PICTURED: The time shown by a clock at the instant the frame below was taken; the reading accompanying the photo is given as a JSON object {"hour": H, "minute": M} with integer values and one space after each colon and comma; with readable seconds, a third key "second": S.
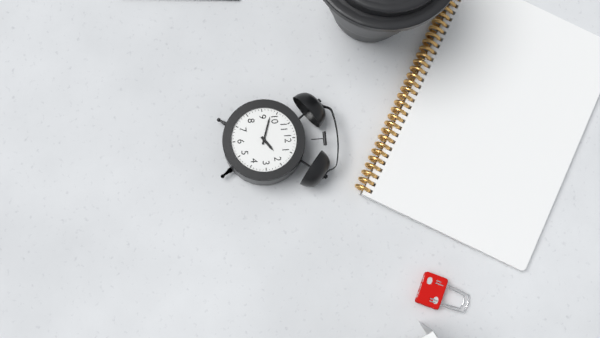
{"hour": 1, "minute": 48}
